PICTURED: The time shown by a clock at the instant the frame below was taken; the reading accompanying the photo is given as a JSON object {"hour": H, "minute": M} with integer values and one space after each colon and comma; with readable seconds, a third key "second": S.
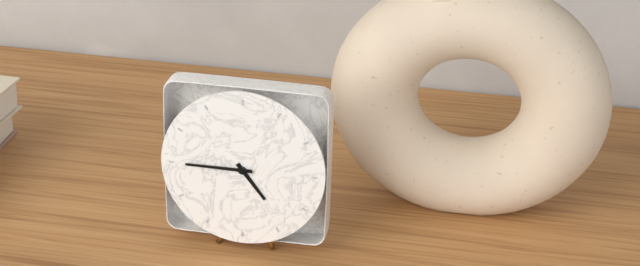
{"hour": 4, "minute": 45}
